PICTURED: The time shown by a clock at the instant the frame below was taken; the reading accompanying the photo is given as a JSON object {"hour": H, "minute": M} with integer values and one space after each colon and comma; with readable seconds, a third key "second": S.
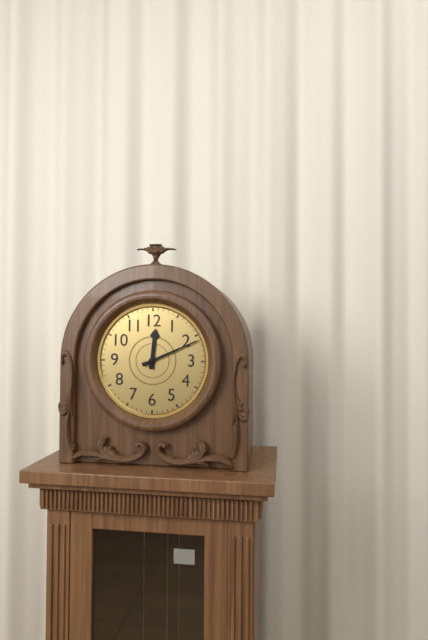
{"hour": 12, "minute": 11}
